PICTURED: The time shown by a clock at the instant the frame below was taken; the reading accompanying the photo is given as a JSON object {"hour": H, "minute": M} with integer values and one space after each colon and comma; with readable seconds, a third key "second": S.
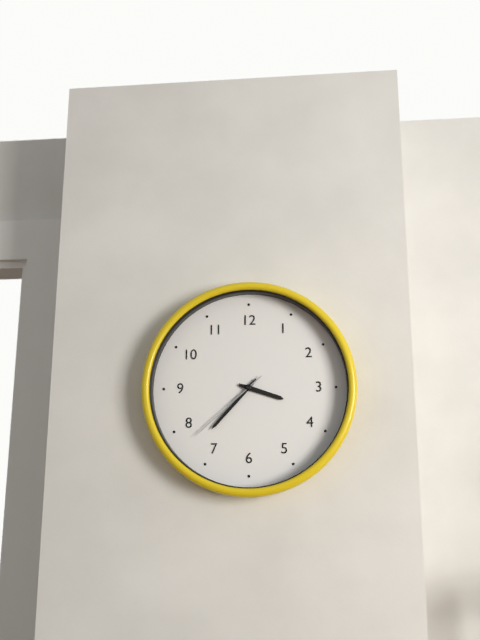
{"hour": 3, "minute": 37, "second": 38}
